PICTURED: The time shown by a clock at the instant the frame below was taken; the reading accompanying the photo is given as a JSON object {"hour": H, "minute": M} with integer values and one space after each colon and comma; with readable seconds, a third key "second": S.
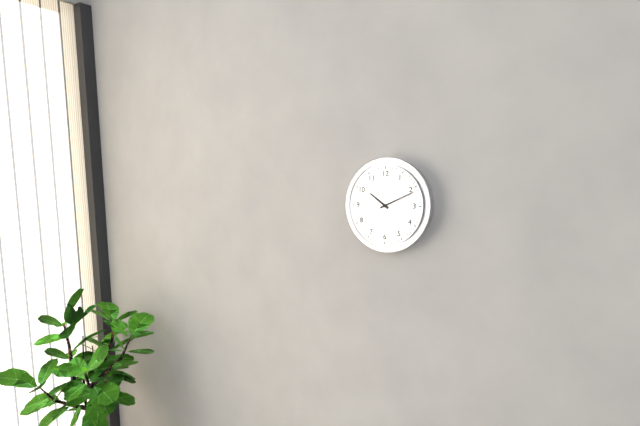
{"hour": 10, "minute": 11}
